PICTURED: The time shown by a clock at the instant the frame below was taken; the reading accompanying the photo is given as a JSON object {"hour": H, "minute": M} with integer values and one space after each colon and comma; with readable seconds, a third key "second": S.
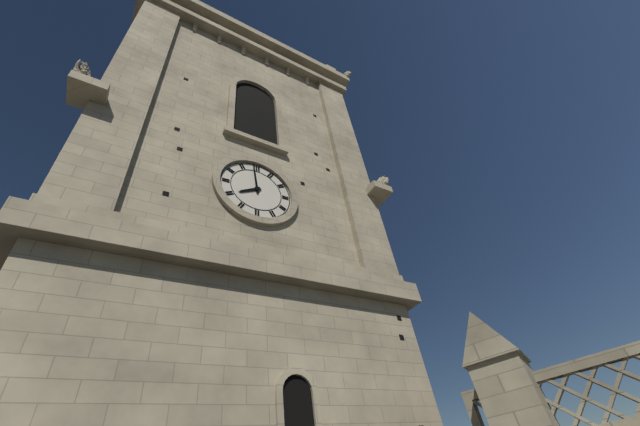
{"hour": 7, "minute": 59}
